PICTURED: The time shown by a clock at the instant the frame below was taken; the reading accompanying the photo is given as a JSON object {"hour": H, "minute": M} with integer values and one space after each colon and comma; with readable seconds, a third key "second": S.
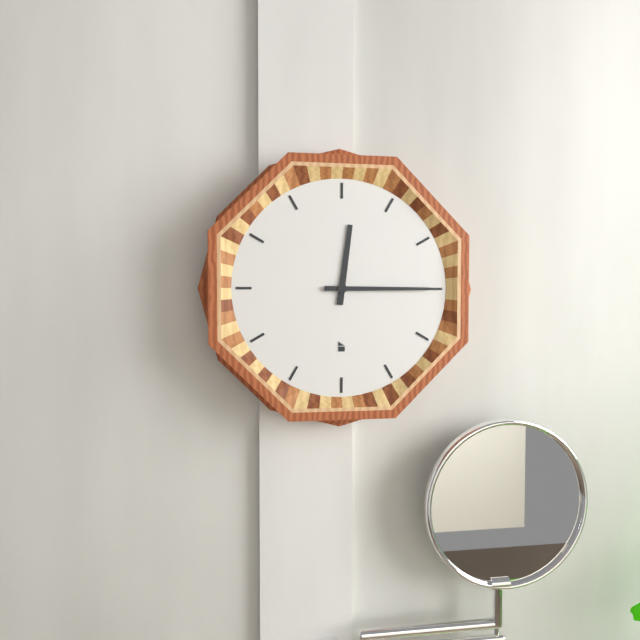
{"hour": 12, "minute": 15}
